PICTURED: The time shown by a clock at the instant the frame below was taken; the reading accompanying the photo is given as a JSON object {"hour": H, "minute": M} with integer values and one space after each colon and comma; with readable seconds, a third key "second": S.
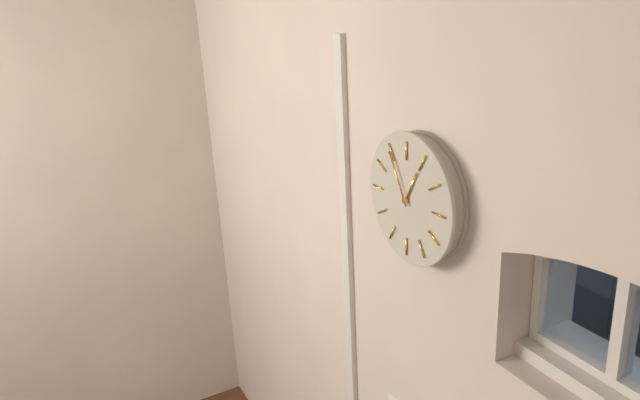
{"hour": 12, "minute": 55}
